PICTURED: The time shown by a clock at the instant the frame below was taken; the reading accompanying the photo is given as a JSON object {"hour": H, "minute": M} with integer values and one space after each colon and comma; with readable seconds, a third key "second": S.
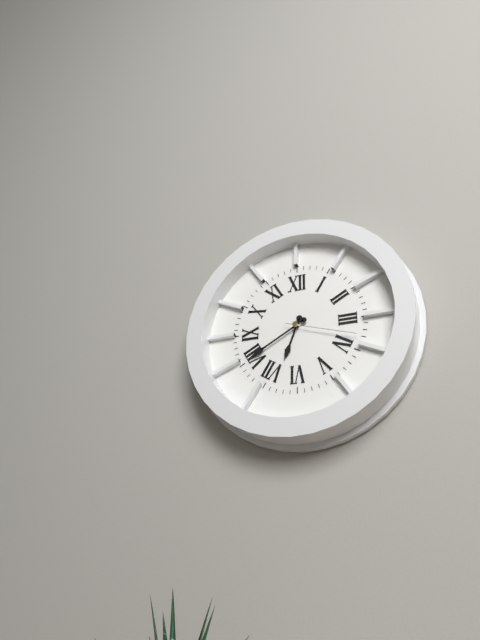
{"hour": 6, "minute": 40, "second": 18}
